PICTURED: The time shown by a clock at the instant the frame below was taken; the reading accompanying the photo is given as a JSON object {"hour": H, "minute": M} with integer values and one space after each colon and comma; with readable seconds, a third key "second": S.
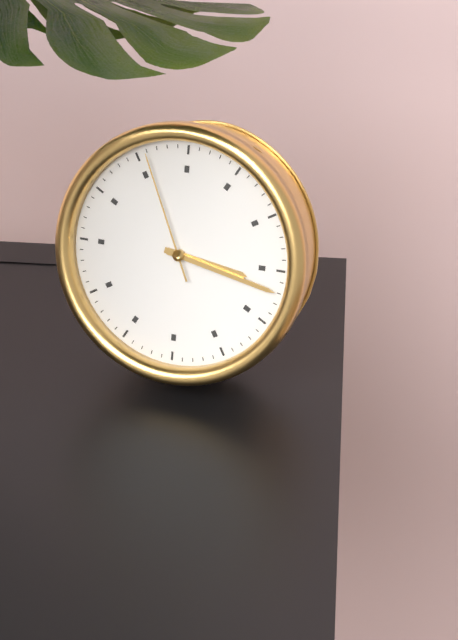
{"hour": 3, "minute": 17, "second": 56}
